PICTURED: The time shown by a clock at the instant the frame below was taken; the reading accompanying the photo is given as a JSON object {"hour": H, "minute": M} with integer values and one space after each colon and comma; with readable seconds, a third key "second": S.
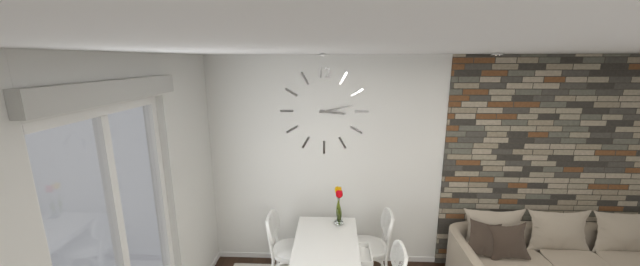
{"hour": 3, "minute": 13}
